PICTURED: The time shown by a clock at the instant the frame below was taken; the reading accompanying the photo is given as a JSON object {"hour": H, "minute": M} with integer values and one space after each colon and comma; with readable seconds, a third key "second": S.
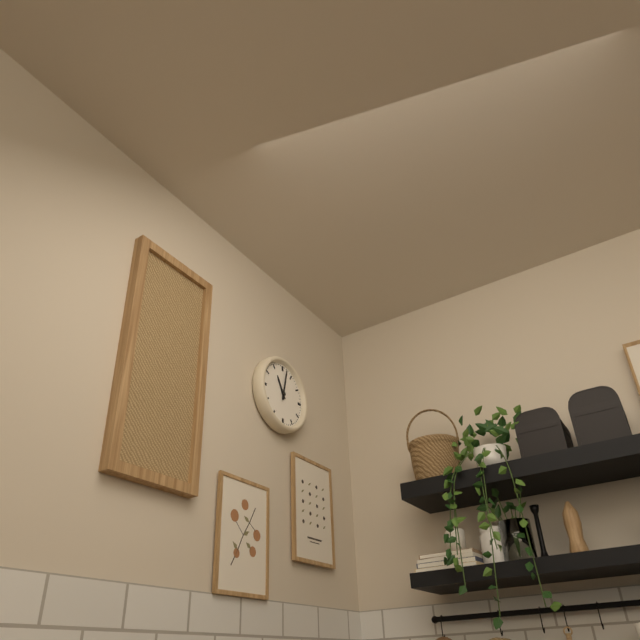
{"hour": 11, "minute": 2}
